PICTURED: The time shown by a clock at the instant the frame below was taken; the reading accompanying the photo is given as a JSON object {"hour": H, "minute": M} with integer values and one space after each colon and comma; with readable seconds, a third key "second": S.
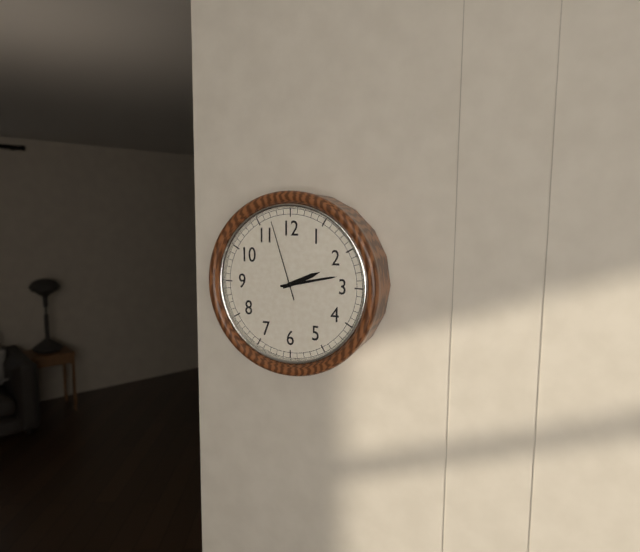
{"hour": 2, "minute": 13, "second": 57}
